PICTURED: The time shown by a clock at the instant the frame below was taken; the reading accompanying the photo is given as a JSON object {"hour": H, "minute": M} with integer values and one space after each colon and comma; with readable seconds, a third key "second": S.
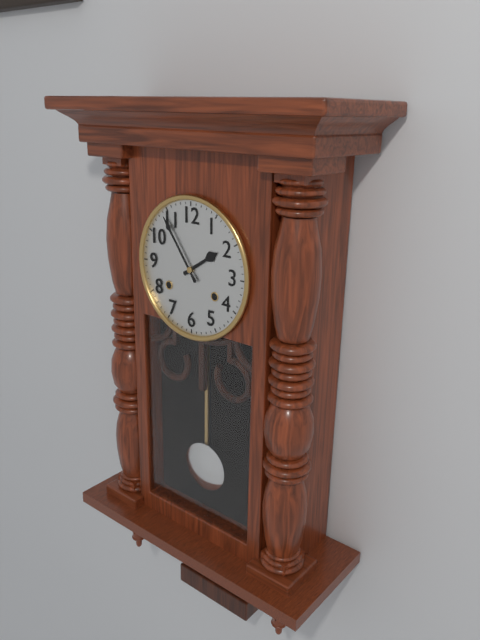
{"hour": 1, "minute": 54}
